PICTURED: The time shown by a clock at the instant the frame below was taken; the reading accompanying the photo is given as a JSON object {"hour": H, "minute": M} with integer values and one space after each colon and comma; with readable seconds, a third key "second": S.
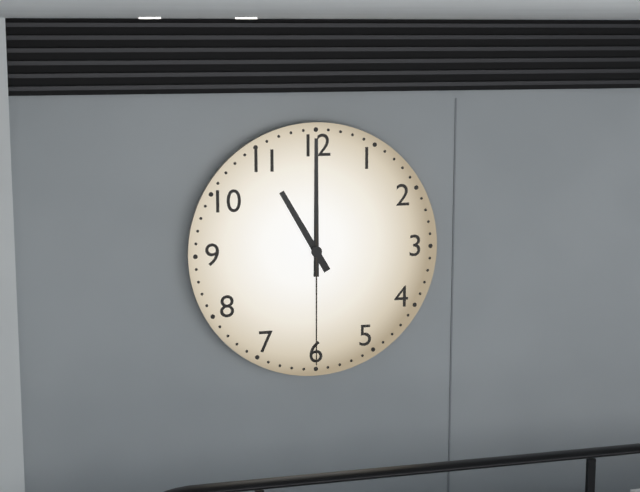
{"hour": 11, "minute": 0, "second": 30}
